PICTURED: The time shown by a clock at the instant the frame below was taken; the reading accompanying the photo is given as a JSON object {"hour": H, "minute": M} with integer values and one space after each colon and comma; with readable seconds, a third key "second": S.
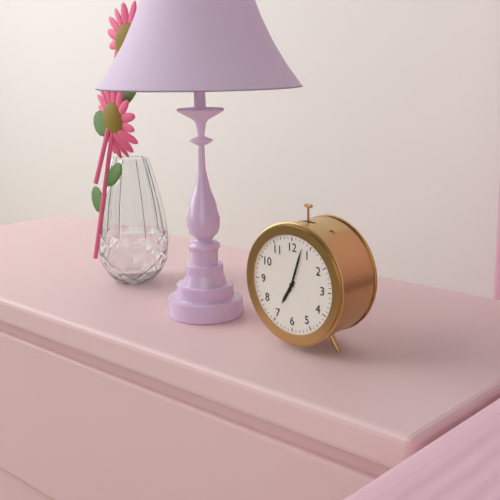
{"hour": 7, "minute": 3}
